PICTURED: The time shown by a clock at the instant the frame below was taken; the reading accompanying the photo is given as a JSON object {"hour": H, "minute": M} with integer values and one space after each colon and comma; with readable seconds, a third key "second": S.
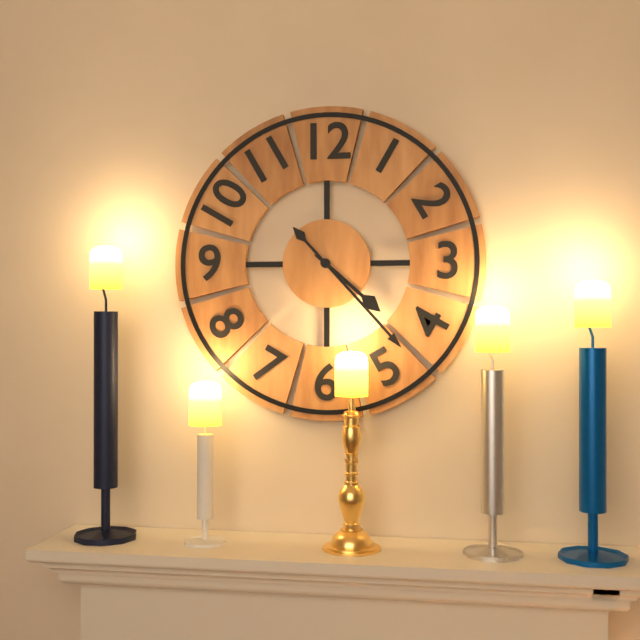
{"hour": 4, "minute": 23}
